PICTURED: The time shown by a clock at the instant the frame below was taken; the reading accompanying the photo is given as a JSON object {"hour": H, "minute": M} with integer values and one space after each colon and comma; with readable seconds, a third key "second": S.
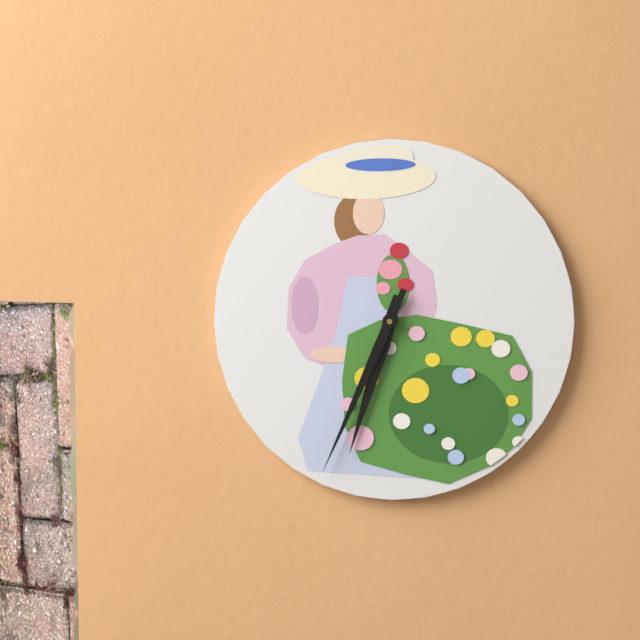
{"hour": 6, "minute": 34}
